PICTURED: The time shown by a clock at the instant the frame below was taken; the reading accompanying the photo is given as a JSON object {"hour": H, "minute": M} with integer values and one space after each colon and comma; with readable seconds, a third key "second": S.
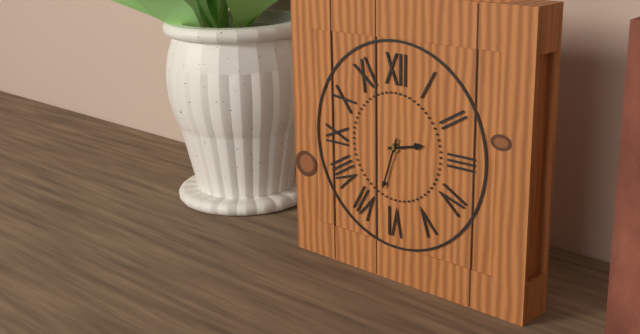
{"hour": 2, "minute": 33}
